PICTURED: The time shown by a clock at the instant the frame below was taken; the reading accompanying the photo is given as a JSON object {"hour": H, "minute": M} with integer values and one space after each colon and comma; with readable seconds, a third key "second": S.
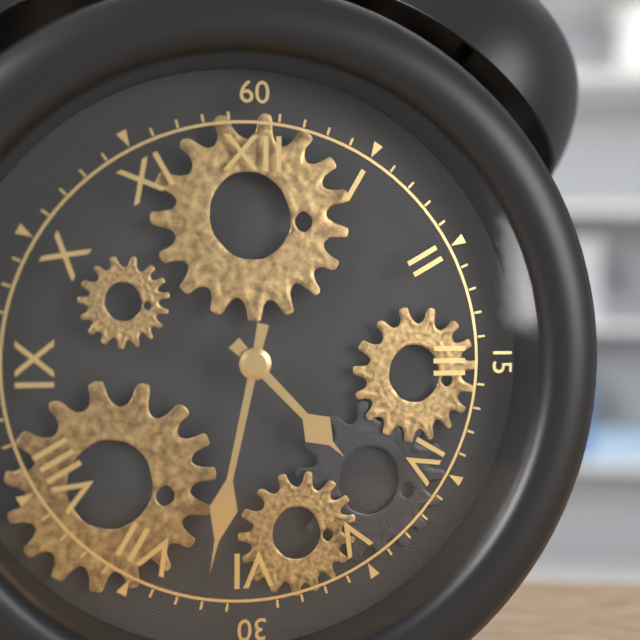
{"hour": 4, "minute": 32}
